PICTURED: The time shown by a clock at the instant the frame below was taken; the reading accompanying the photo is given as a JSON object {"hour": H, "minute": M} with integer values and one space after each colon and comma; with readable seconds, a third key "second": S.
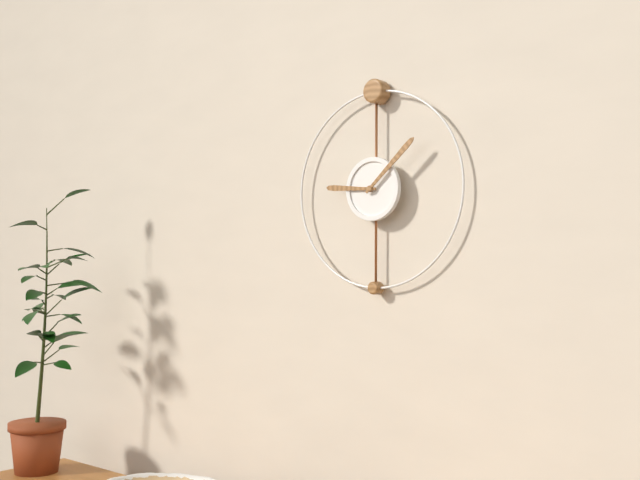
{"hour": 9, "minute": 8}
